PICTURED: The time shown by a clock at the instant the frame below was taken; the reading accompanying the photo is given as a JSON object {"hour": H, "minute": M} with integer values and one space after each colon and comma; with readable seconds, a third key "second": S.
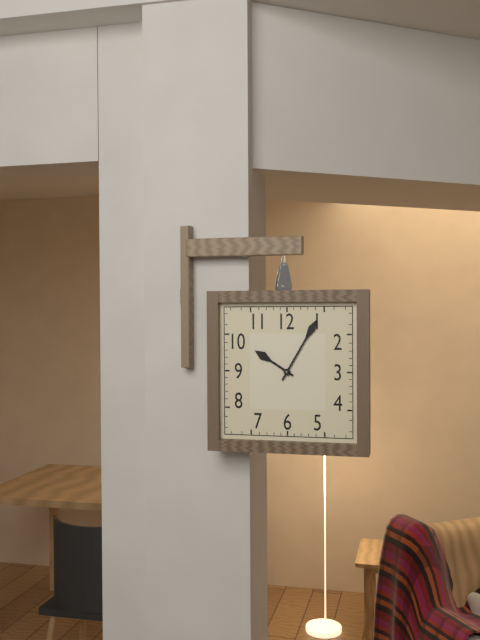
{"hour": 10, "minute": 5}
